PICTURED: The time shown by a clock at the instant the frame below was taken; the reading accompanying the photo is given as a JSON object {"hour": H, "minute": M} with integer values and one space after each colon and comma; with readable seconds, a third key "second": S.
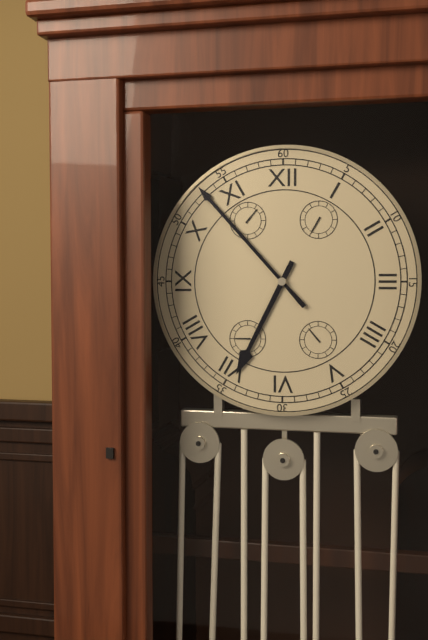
{"hour": 6, "minute": 53}
